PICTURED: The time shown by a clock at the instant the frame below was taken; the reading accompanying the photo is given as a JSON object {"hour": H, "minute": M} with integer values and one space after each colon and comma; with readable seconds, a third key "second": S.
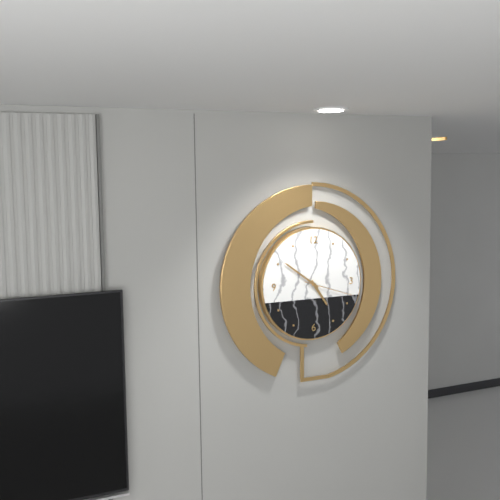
{"hour": 4, "minute": 51, "second": 18}
